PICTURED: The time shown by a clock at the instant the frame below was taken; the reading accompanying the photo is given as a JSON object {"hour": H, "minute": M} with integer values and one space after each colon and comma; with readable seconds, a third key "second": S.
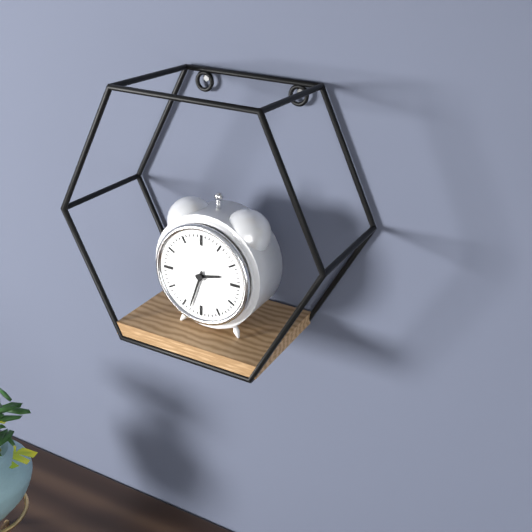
{"hour": 2, "minute": 33}
